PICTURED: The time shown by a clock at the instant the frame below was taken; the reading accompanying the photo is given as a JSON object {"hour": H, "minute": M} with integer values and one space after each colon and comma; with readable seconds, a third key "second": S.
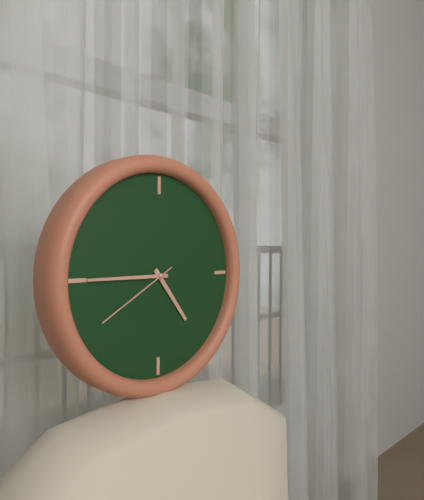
{"hour": 4, "minute": 45, "second": 40}
